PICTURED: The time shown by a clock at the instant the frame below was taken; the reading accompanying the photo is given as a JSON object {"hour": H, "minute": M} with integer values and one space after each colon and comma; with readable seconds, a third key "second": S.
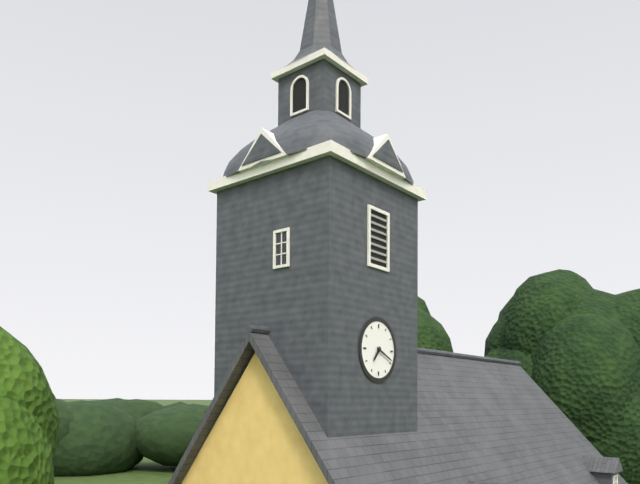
{"hour": 7, "minute": 19}
